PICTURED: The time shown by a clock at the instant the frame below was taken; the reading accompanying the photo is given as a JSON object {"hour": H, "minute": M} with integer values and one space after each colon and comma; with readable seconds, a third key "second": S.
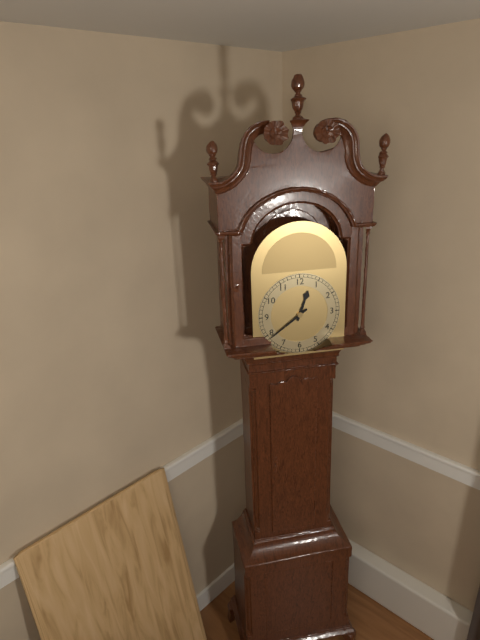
{"hour": 12, "minute": 39}
